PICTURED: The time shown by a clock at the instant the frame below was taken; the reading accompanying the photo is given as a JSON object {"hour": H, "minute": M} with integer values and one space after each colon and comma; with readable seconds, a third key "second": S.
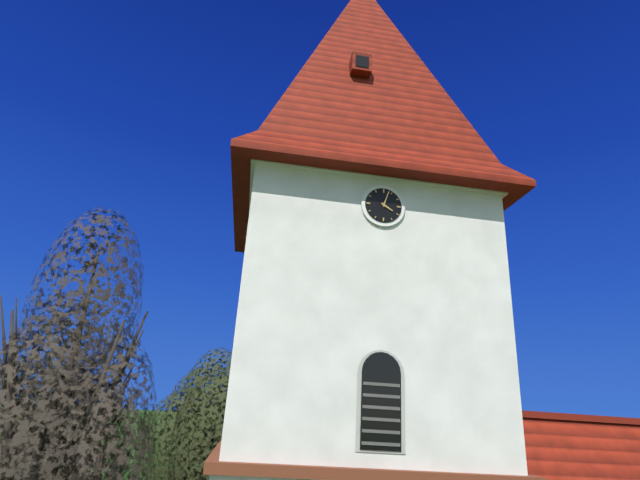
{"hour": 4, "minute": 3}
